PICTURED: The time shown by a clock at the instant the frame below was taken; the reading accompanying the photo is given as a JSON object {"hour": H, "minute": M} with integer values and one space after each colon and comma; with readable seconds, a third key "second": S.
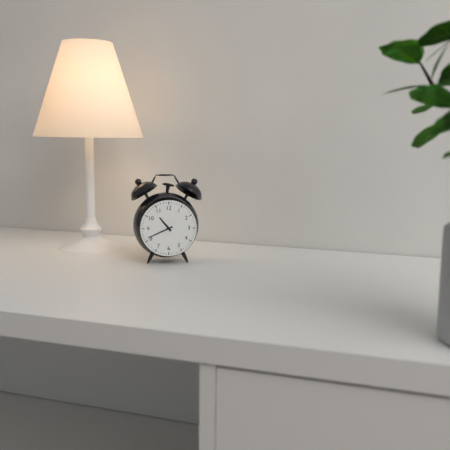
{"hour": 10, "minute": 41}
